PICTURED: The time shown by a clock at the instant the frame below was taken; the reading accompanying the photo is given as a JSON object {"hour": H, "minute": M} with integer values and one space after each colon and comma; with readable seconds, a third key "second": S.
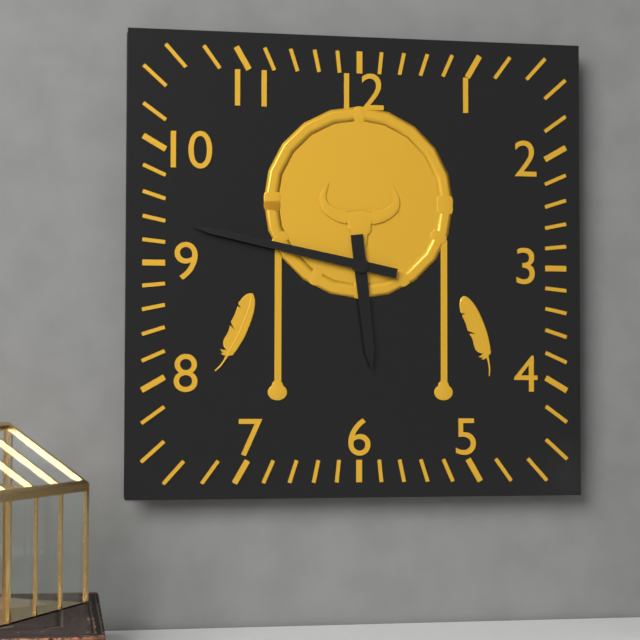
{"hour": 5, "minute": 47}
